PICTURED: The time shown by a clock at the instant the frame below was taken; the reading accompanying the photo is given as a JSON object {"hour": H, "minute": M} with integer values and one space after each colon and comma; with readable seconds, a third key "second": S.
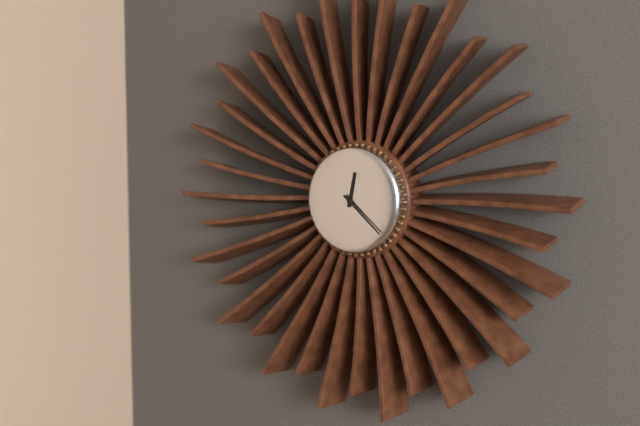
{"hour": 12, "minute": 22}
